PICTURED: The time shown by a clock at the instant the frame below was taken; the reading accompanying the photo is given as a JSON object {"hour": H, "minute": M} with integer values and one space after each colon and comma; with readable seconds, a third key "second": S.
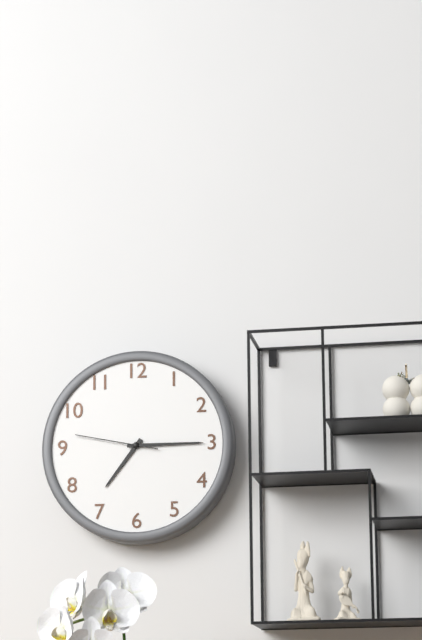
{"hour": 7, "minute": 15, "second": 47}
